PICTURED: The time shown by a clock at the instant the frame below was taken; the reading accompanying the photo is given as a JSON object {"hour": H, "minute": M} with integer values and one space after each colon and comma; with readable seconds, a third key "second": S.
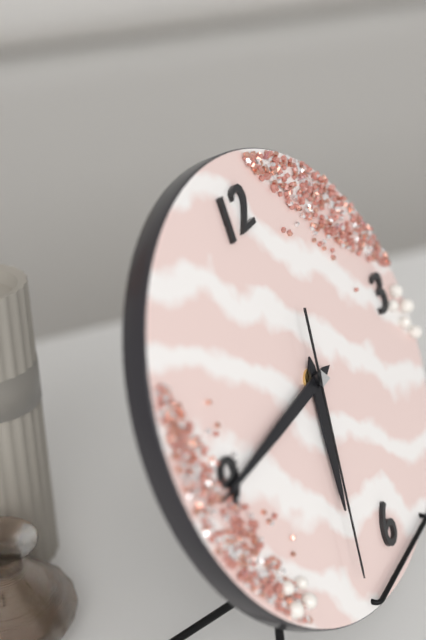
{"hour": 6, "minute": 45, "second": 34}
